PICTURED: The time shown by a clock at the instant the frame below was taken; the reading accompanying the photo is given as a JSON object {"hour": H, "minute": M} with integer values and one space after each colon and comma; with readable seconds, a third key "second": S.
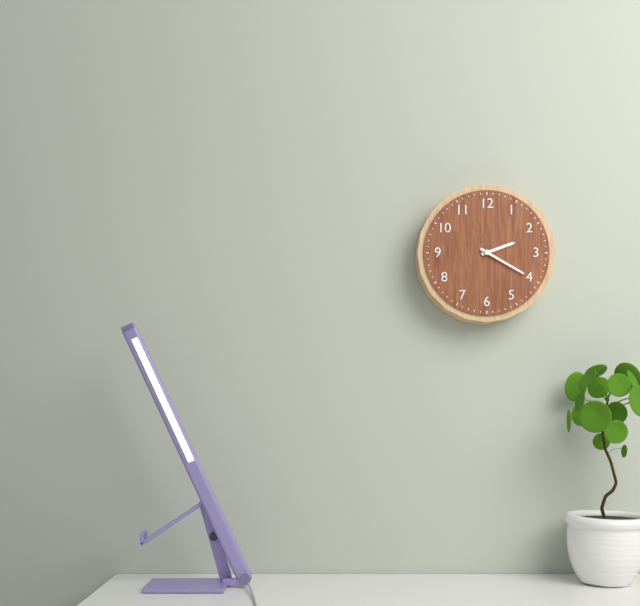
{"hour": 2, "minute": 20}
